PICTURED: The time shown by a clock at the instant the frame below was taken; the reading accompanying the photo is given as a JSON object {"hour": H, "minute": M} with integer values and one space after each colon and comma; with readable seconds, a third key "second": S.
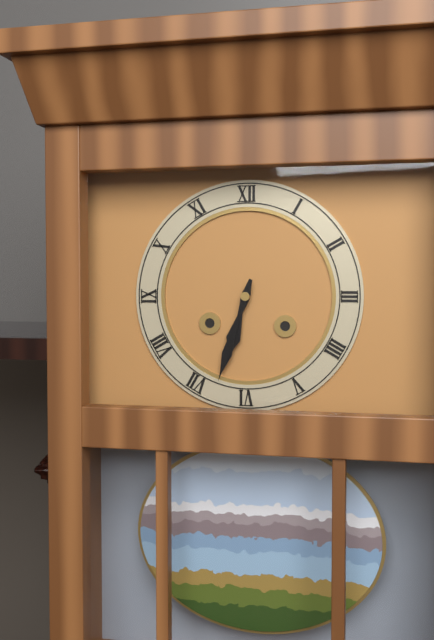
{"hour": 6, "minute": 33}
